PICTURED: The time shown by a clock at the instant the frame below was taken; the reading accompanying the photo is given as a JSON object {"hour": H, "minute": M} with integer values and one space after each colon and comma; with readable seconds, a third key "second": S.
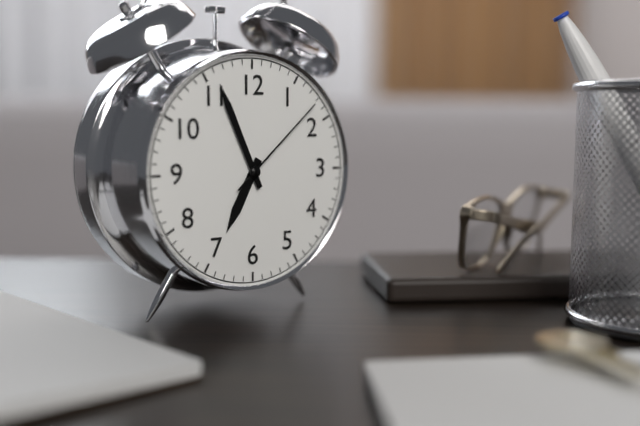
{"hour": 6, "minute": 56, "second": 8}
